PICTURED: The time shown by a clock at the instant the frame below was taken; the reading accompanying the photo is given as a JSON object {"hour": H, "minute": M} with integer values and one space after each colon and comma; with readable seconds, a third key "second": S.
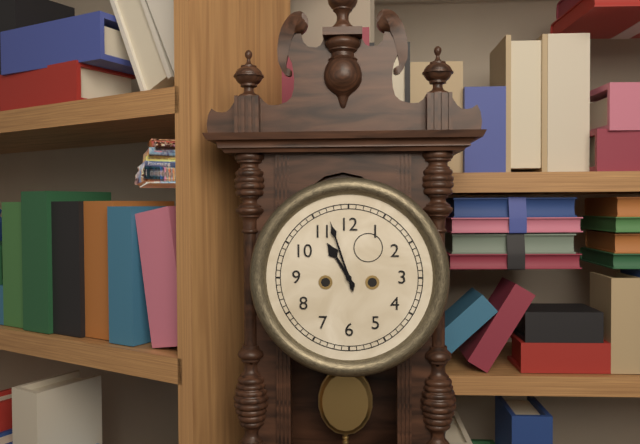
{"hour": 10, "minute": 57}
